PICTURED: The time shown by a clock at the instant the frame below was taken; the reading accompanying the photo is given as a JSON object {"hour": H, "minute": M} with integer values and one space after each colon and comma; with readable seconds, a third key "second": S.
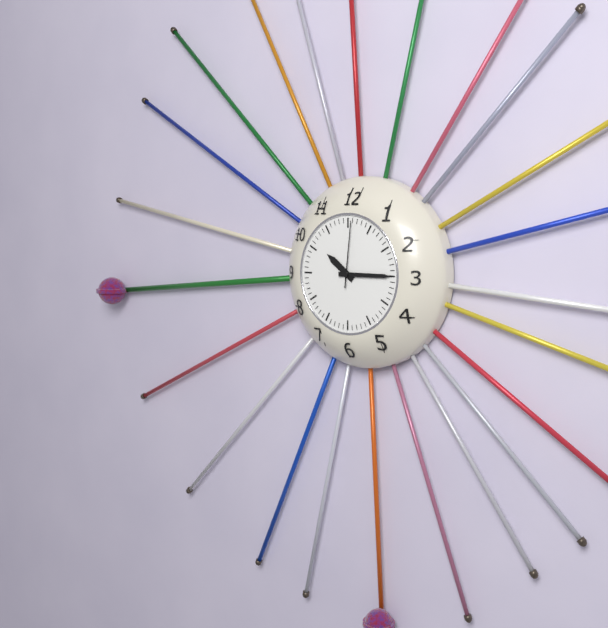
{"hour": 10, "minute": 15, "second": 1}
